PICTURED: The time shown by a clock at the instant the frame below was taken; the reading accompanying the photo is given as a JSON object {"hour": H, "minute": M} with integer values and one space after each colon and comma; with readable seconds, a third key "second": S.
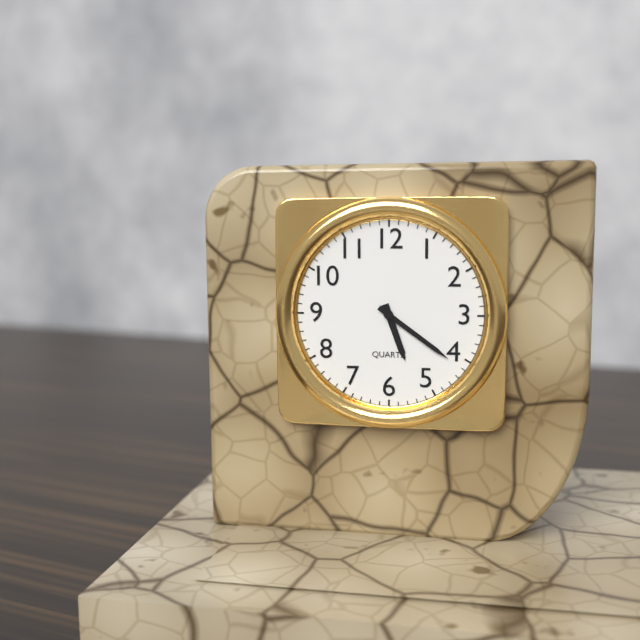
{"hour": 5, "minute": 21}
